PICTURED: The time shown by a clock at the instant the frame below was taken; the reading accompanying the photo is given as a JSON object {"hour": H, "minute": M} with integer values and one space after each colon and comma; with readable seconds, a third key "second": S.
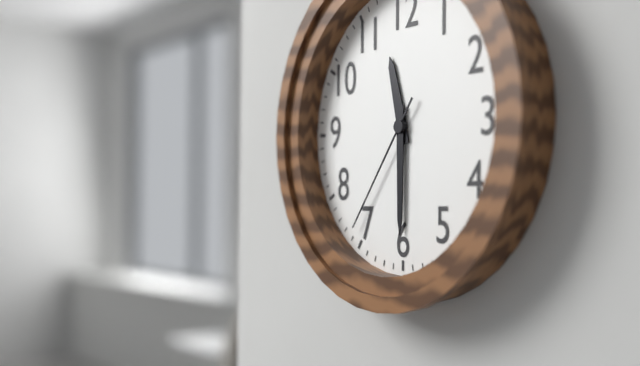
{"hour": 11, "minute": 30, "second": 36}
